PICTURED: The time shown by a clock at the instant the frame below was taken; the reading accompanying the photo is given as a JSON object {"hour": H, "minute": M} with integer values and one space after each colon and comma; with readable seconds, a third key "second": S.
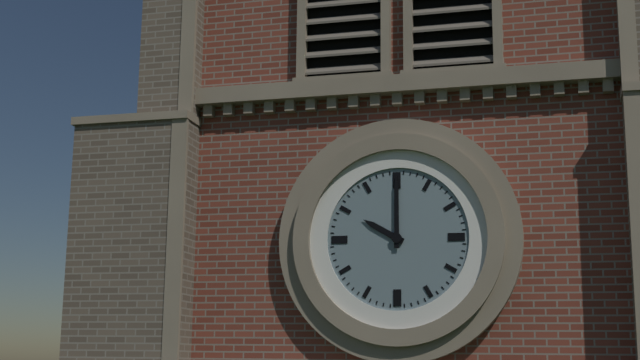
{"hour": 10, "minute": 0}
